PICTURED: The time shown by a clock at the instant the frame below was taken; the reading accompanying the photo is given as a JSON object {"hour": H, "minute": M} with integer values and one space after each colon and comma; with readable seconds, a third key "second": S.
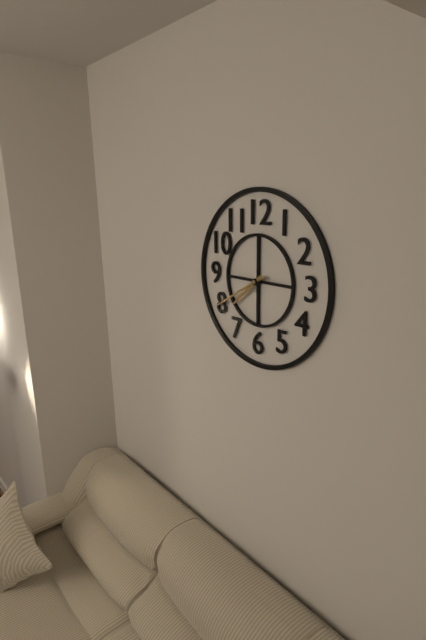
{"hour": 7, "minute": 40}
